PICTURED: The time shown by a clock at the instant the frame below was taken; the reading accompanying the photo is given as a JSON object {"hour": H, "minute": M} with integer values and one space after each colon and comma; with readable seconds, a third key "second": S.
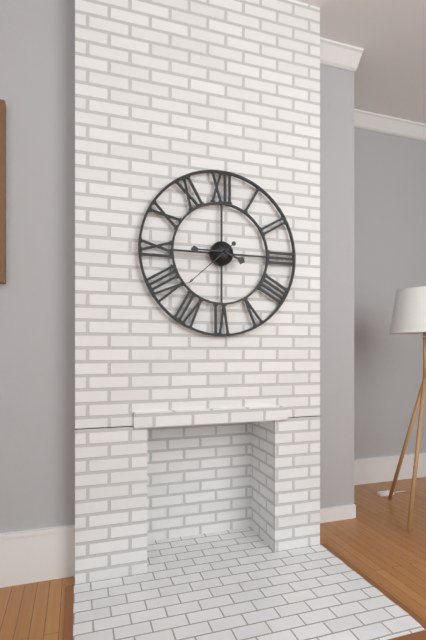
{"hour": 3, "minute": 45, "second": 38}
